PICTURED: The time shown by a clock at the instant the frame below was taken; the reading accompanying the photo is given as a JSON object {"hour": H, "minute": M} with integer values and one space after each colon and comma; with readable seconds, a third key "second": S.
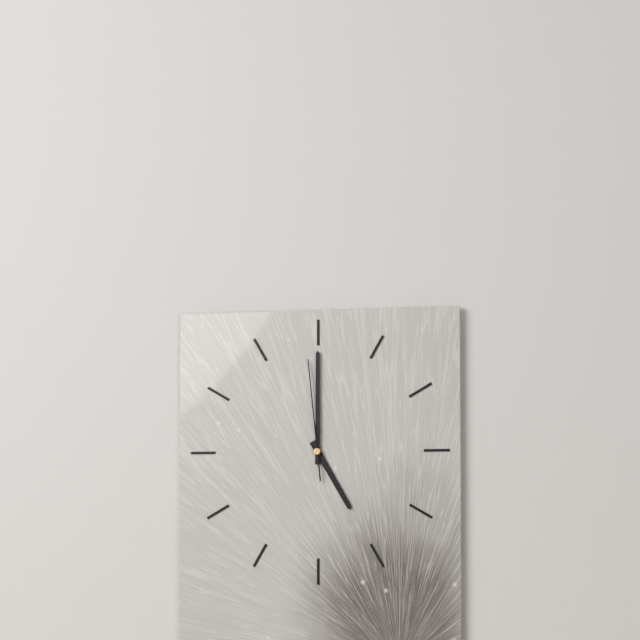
{"hour": 5, "minute": 0, "second": 59}
